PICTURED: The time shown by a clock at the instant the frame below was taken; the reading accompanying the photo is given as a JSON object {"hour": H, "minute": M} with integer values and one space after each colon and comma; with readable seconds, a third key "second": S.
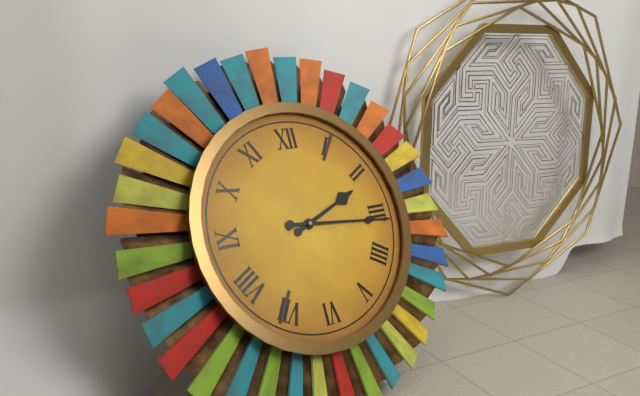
{"hour": 2, "minute": 16}
